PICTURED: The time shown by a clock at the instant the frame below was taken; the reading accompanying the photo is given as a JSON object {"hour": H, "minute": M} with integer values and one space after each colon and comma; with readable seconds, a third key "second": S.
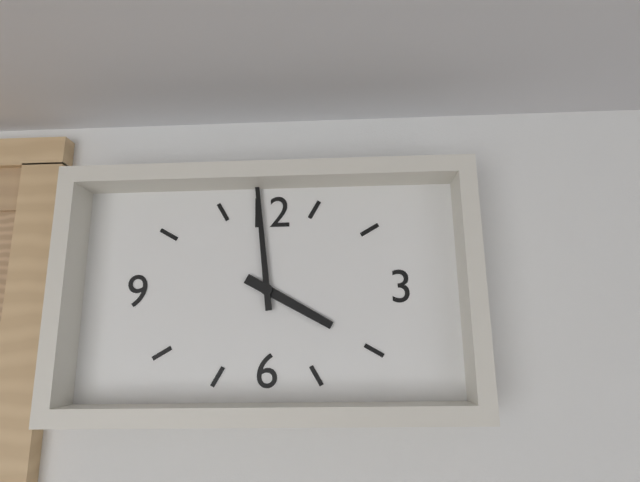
{"hour": 3, "minute": 59}
